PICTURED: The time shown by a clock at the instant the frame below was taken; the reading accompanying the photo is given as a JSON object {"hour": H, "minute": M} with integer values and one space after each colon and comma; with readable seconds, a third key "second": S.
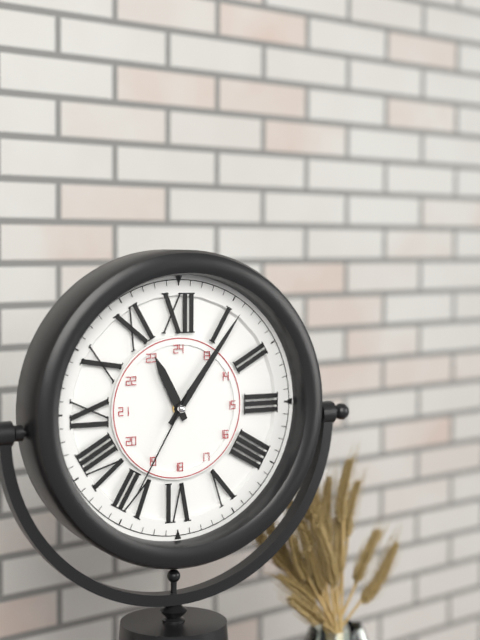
{"hour": 11, "minute": 6, "second": 35}
